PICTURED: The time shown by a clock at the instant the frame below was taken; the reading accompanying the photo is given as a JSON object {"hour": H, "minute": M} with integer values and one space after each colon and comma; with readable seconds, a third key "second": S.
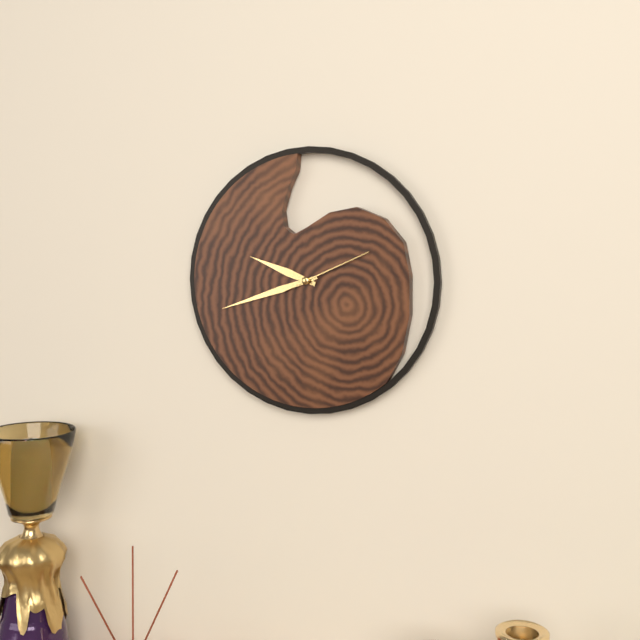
{"hour": 9, "minute": 42, "second": 11}
